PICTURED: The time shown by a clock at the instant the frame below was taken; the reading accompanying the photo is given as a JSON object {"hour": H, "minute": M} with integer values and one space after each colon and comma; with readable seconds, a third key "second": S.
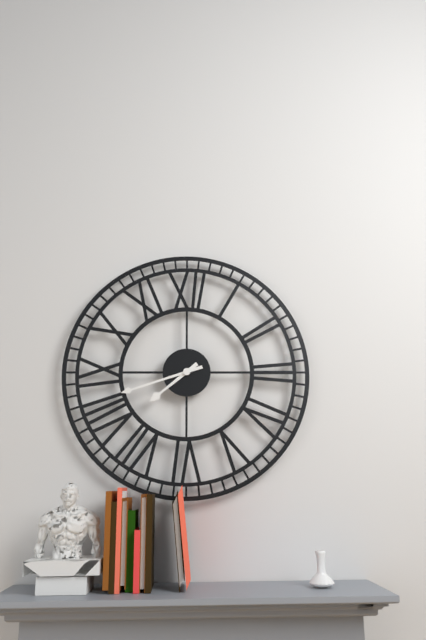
{"hour": 7, "minute": 42}
